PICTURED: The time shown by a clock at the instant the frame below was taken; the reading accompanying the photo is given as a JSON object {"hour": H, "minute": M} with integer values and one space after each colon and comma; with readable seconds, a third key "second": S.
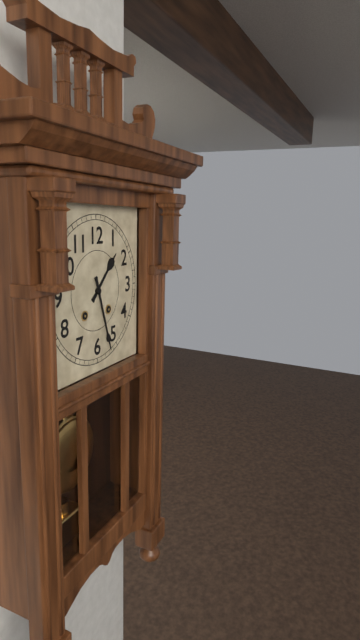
{"hour": 1, "minute": 27}
